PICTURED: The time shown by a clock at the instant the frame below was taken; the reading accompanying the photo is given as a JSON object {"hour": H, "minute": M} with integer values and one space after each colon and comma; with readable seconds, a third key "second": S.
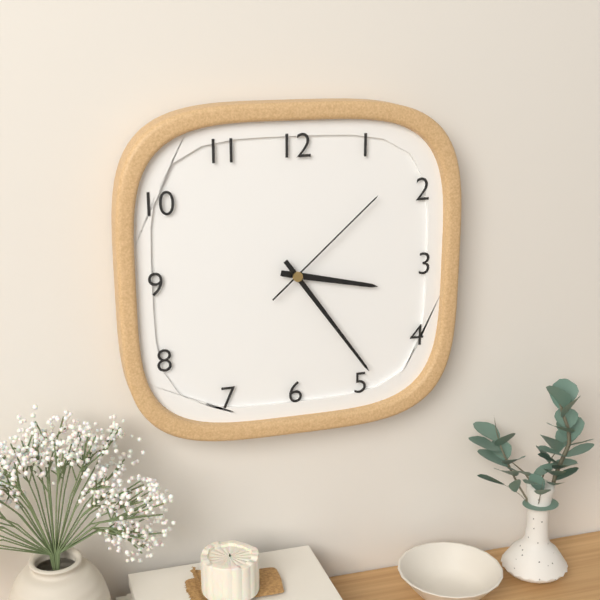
{"hour": 3, "minute": 24, "second": 8}
